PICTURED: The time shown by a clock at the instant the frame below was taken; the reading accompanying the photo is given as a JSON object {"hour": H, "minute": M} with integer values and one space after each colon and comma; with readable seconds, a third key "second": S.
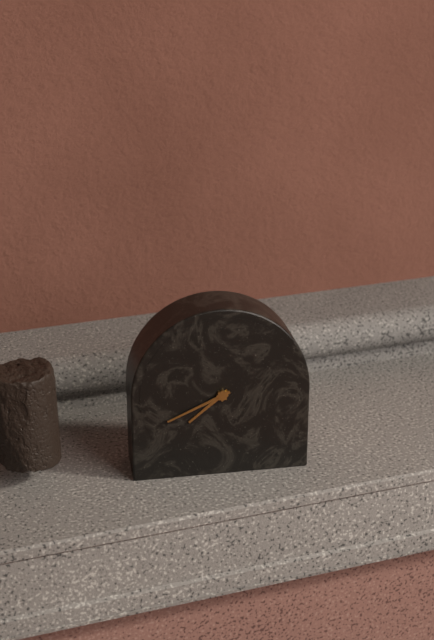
{"hour": 7, "minute": 41}
